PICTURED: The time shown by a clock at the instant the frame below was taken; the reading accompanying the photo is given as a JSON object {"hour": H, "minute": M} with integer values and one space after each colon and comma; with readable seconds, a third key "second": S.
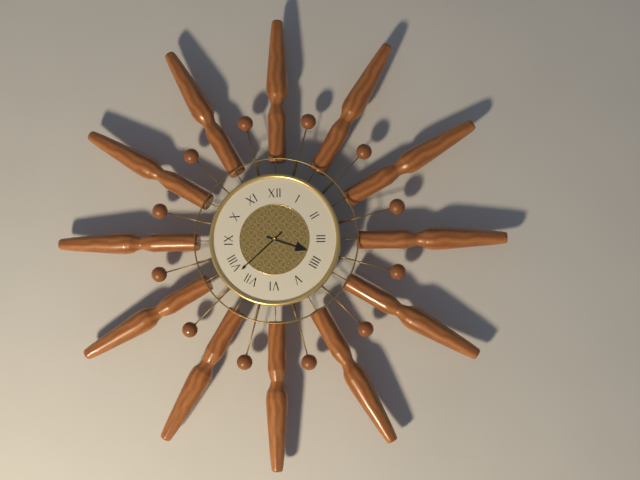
{"hour": 3, "minute": 38}
